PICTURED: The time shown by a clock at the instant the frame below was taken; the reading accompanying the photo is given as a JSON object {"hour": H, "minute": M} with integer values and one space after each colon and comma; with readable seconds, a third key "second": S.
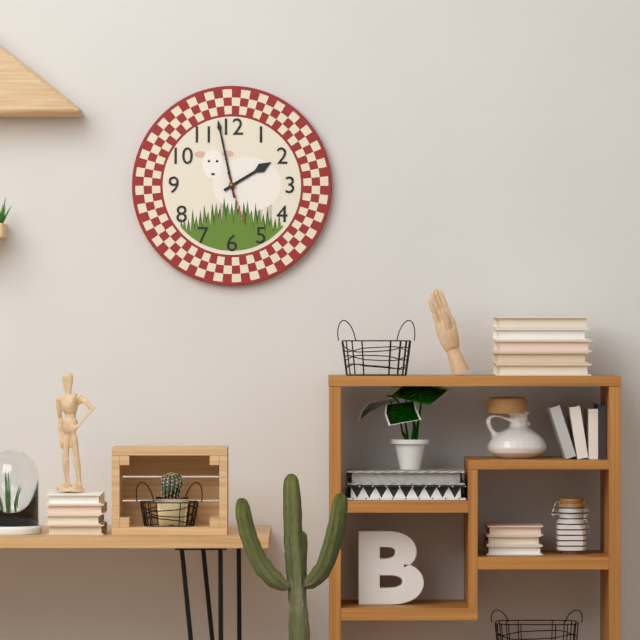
{"hour": 1, "minute": 58}
